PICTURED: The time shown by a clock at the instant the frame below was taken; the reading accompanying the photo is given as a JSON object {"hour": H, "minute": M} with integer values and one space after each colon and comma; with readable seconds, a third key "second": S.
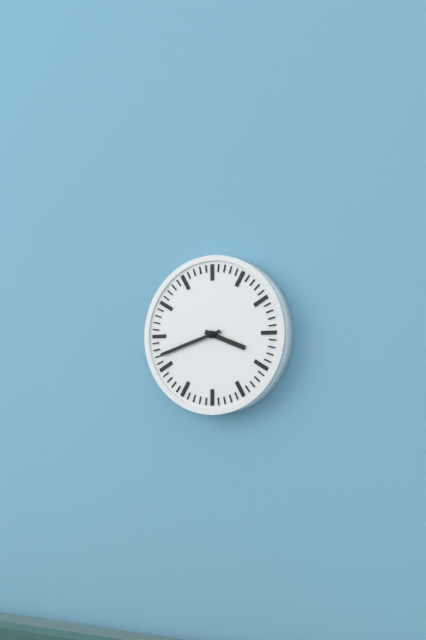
{"hour": 3, "minute": 42}
